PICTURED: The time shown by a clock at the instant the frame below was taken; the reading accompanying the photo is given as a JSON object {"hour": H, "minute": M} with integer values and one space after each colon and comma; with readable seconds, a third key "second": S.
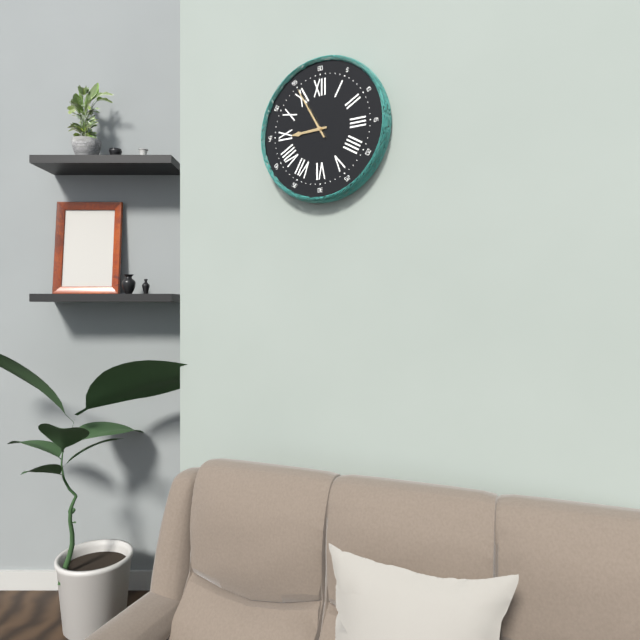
{"hour": 8, "minute": 55}
